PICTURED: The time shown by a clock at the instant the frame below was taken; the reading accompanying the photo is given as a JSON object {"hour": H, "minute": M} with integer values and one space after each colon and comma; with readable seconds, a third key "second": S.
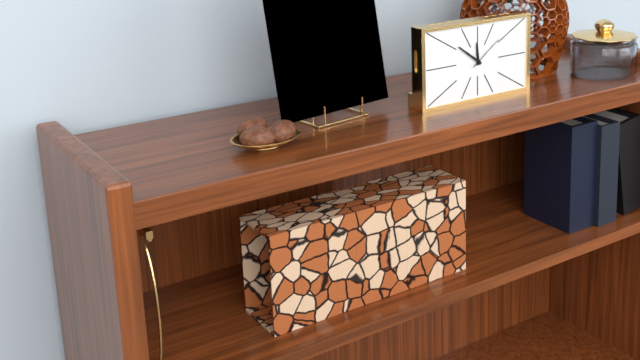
{"hour": 11, "minute": 51}
